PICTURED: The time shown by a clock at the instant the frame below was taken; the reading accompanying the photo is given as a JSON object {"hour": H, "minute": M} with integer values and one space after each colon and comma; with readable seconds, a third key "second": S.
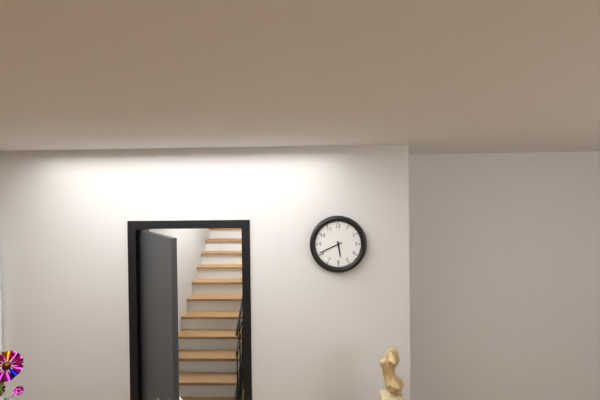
{"hour": 5, "minute": 41}
